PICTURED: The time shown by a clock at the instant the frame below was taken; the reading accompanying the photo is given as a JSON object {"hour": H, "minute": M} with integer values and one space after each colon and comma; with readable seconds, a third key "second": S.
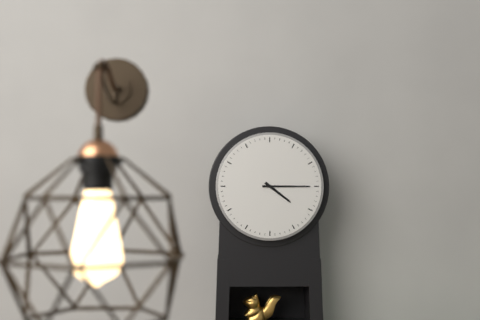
{"hour": 4, "minute": 15}
